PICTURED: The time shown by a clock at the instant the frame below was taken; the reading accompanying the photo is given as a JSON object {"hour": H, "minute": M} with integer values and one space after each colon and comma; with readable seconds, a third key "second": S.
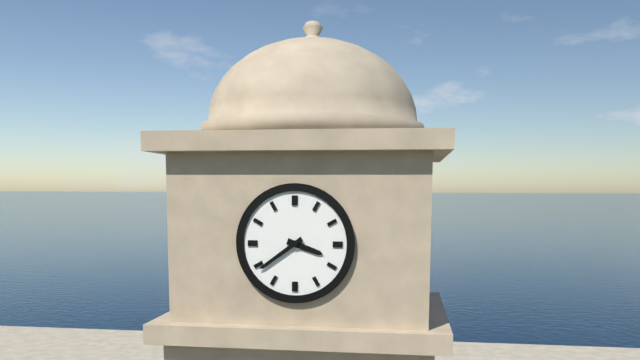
{"hour": 3, "minute": 39}
